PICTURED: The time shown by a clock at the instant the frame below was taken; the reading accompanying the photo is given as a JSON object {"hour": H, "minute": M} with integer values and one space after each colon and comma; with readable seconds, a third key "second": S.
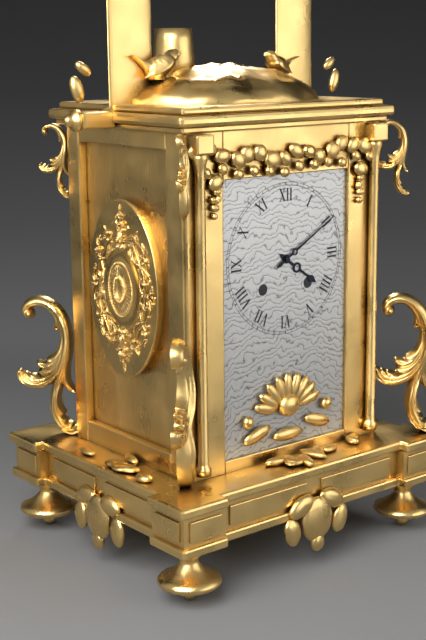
{"hour": 4, "minute": 10}
